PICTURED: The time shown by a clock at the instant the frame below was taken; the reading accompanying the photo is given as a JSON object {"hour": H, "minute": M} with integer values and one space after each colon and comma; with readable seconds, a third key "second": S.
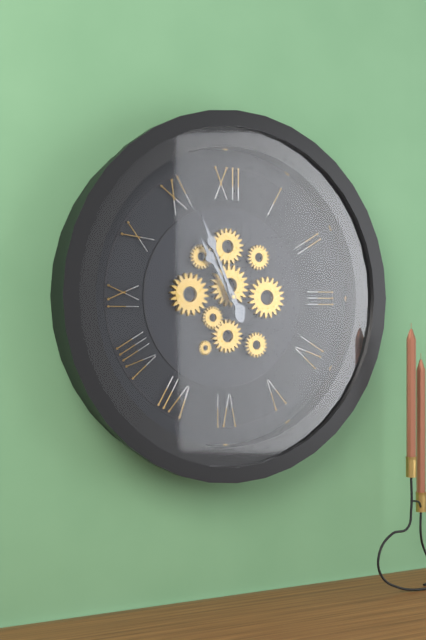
{"hour": 10, "minute": 56}
